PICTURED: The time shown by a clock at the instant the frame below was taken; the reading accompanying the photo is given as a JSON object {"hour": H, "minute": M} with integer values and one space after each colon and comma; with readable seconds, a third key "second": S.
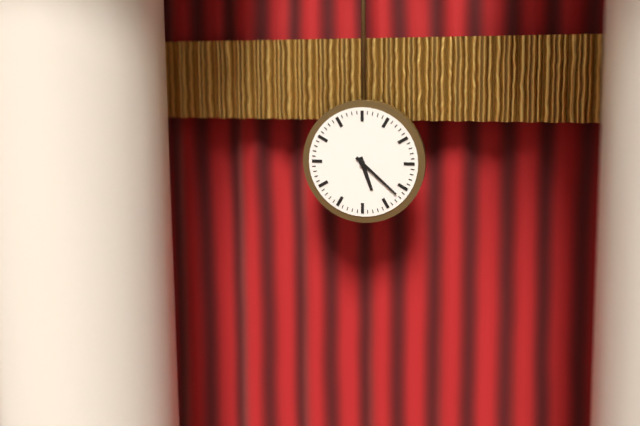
{"hour": 5, "minute": 22}
